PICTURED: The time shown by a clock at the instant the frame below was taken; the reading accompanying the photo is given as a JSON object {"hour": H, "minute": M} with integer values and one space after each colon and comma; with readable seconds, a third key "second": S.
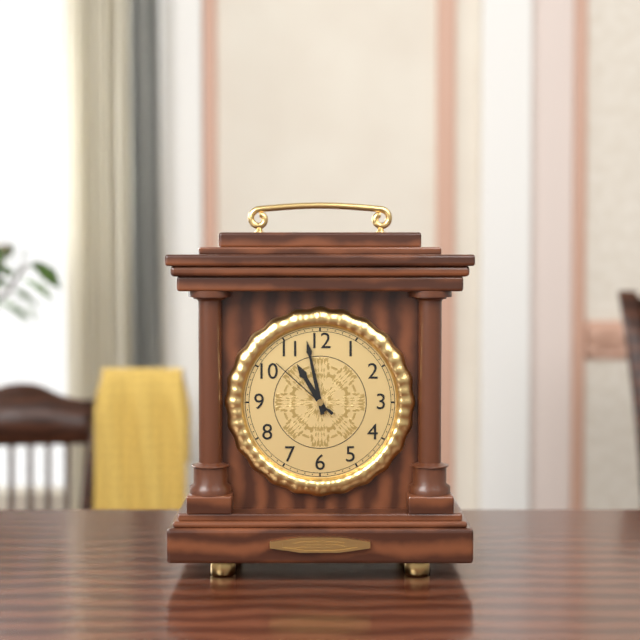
{"hour": 10, "minute": 58, "second": 52}
